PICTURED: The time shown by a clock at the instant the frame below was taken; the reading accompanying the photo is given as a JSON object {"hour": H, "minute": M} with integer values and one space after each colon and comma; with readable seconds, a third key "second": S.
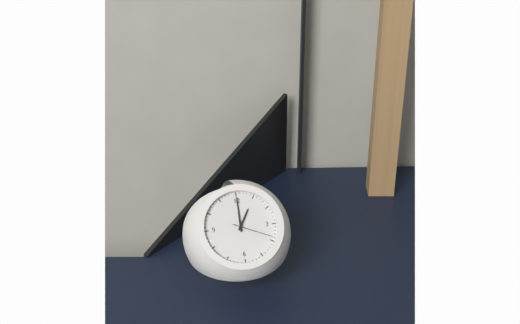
{"hour": 1, "minute": 0}
